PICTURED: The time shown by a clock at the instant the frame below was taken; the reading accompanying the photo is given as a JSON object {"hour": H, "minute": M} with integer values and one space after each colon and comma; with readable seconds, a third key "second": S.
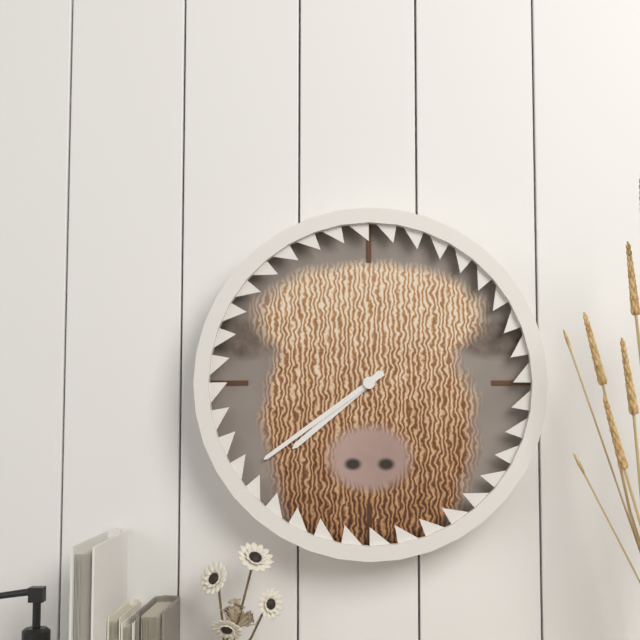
{"hour": 7, "minute": 39}
